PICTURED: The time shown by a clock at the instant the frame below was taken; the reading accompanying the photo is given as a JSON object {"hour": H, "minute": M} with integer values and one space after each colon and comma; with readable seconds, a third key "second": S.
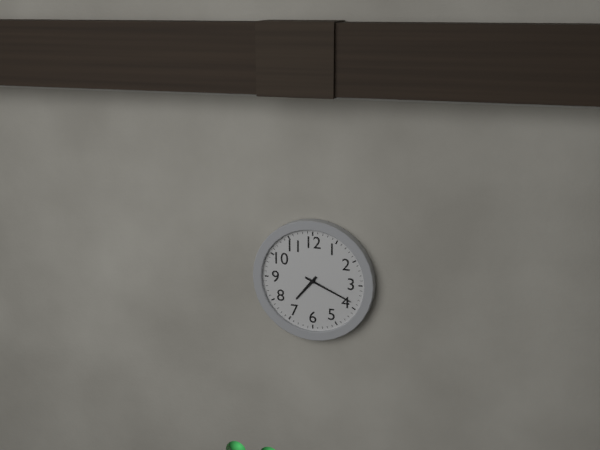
{"hour": 7, "minute": 19}
